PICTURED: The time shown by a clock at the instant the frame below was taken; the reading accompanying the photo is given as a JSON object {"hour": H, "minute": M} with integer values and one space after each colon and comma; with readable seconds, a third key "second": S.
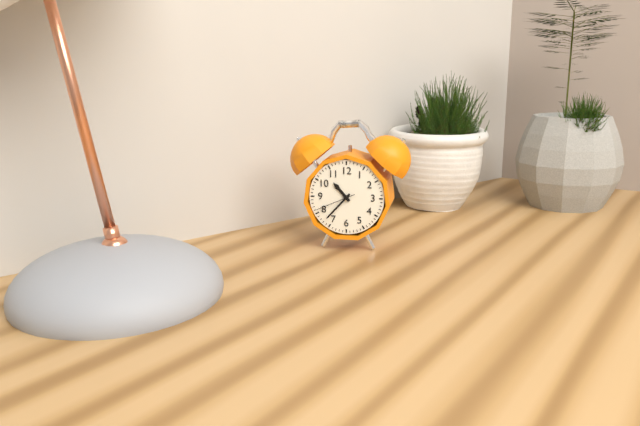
{"hour": 10, "minute": 37}
